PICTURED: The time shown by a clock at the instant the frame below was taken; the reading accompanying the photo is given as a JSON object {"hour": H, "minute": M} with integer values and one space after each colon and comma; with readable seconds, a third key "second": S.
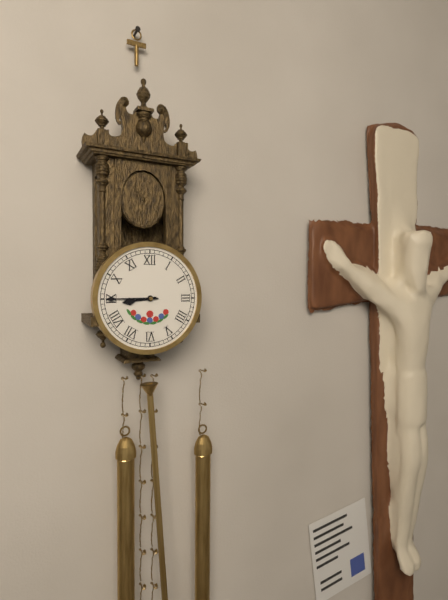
{"hour": 8, "minute": 45}
